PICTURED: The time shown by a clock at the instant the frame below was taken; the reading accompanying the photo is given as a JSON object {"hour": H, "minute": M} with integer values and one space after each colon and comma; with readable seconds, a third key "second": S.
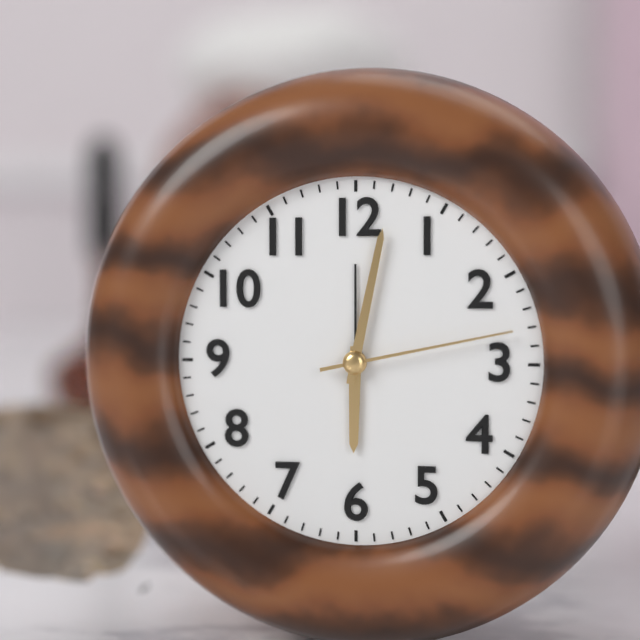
{"hour": 6, "minute": 2, "second": 13}
